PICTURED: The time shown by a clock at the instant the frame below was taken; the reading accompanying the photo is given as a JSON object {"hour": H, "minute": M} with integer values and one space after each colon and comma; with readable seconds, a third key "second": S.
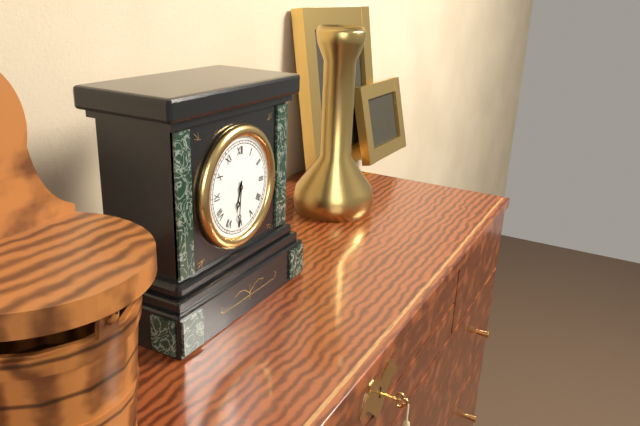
{"hour": 6, "minute": 31}
